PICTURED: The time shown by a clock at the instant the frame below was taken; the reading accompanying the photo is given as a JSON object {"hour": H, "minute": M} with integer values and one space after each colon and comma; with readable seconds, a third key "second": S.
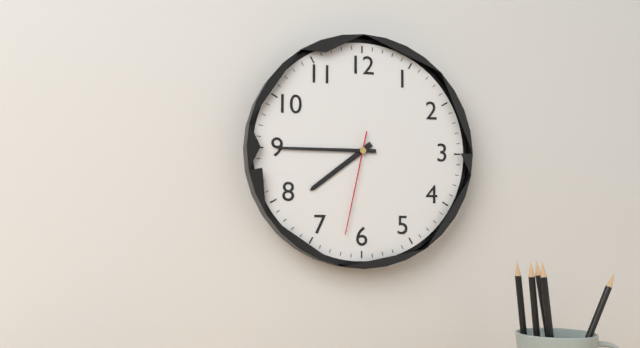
{"hour": 7, "minute": 45, "second": 32}
